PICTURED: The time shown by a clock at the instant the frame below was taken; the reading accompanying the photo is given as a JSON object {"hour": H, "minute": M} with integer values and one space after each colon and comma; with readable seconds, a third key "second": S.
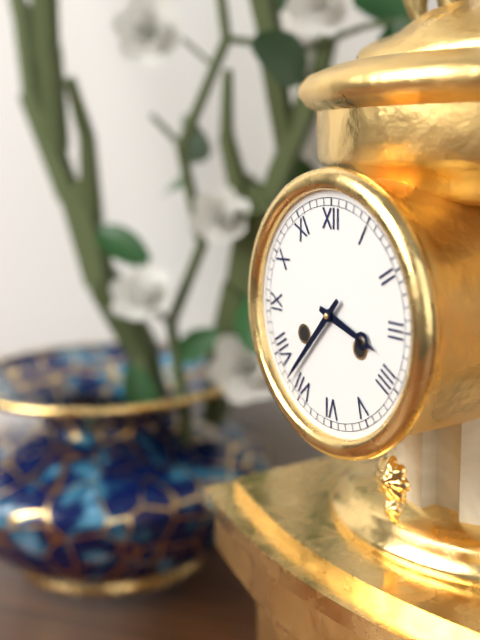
{"hour": 3, "minute": 37}
